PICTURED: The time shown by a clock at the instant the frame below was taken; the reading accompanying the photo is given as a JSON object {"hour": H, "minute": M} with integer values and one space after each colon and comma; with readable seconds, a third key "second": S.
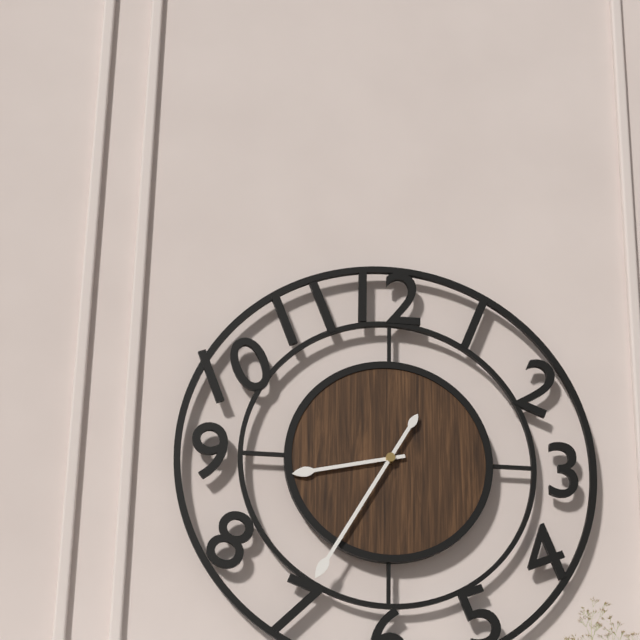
{"hour": 8, "minute": 35}
